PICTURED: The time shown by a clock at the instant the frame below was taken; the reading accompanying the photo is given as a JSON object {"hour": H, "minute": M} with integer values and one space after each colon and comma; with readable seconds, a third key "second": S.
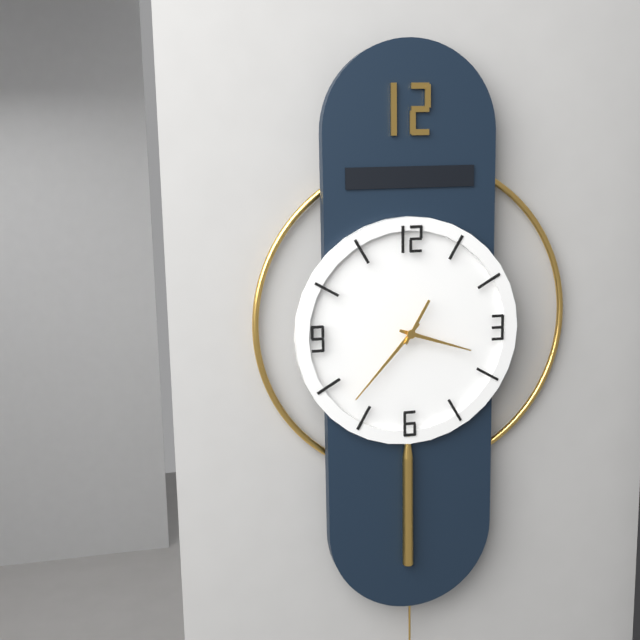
{"hour": 3, "minute": 37}
